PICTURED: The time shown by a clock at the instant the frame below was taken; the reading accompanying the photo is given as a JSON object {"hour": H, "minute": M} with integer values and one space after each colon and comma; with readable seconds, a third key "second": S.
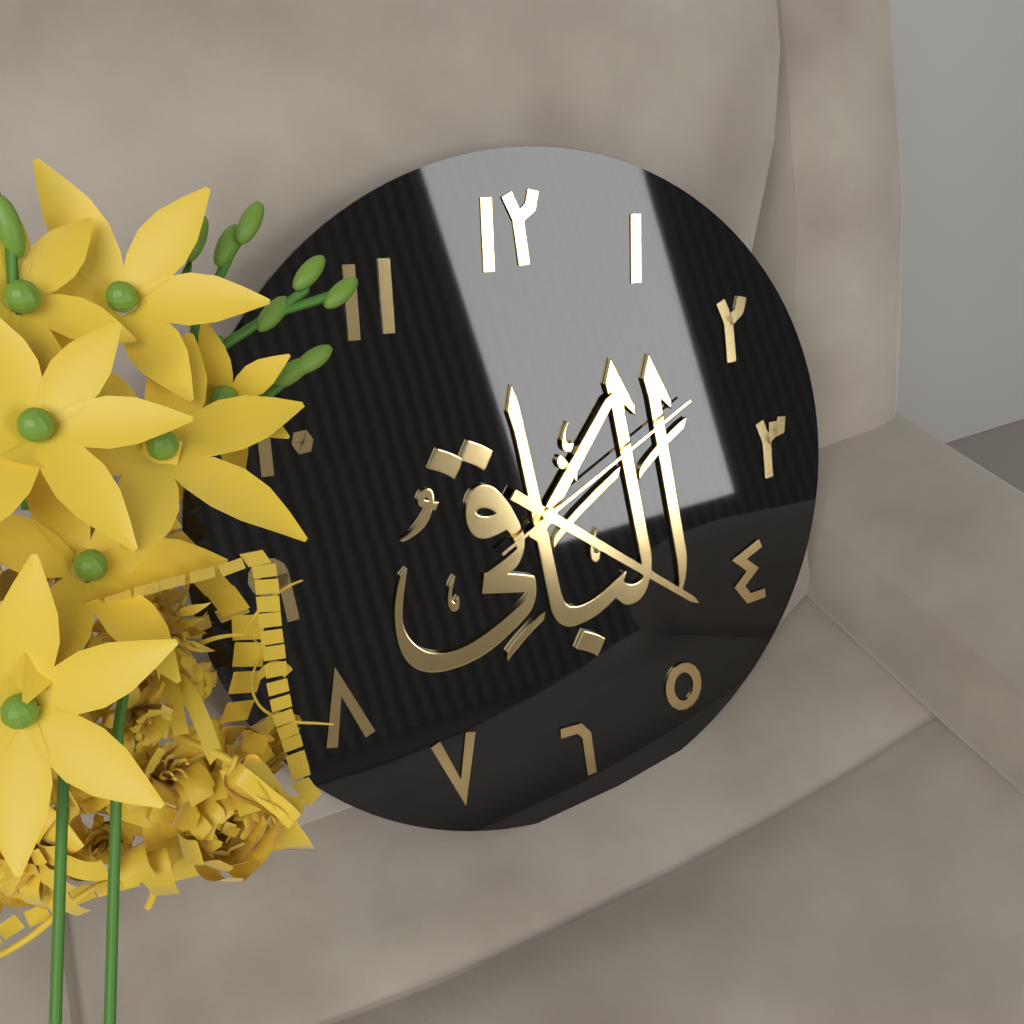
{"hour": 1, "minute": 22, "second": 11}
